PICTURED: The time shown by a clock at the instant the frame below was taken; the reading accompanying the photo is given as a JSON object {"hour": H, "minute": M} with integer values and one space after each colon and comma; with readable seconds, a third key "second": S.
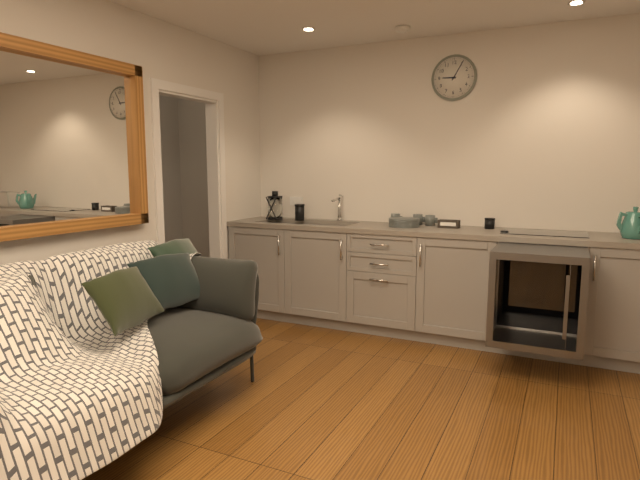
{"hour": 9, "minute": 5}
